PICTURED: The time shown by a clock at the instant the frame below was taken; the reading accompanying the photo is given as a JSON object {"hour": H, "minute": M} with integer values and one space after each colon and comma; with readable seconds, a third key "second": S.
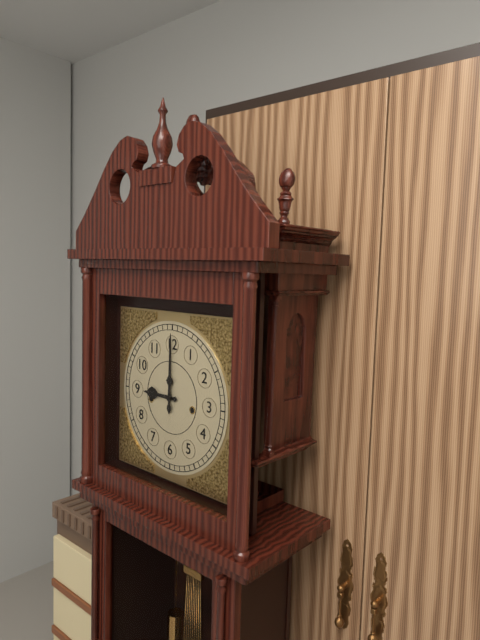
{"hour": 9, "minute": 0}
